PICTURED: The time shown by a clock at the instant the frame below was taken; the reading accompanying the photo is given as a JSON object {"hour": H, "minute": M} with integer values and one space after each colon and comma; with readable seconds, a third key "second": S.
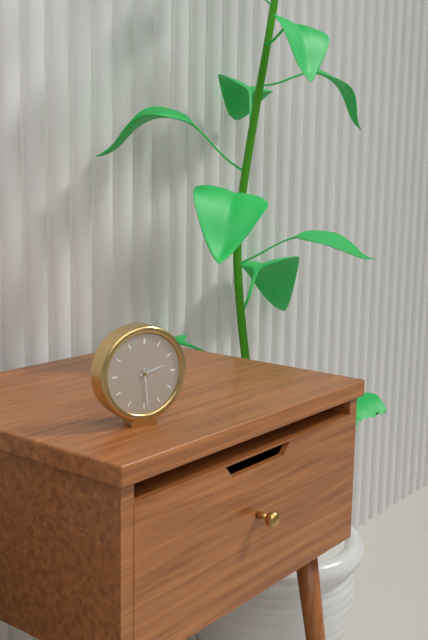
{"hour": 2, "minute": 29}
